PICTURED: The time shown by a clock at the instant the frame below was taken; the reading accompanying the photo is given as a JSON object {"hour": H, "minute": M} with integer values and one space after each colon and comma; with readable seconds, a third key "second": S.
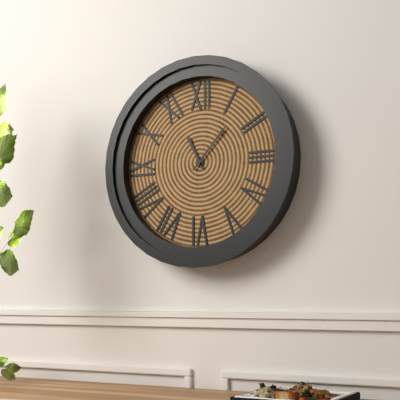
{"hour": 11, "minute": 7}
